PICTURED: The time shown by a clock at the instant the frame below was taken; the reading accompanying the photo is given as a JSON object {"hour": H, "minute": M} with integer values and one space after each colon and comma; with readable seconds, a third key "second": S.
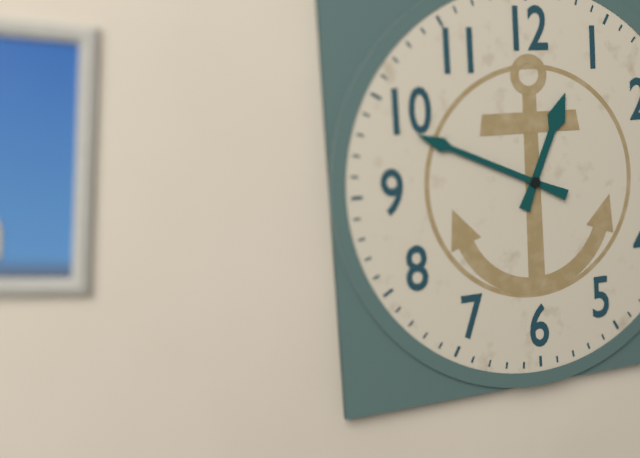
{"hour": 12, "minute": 49}
